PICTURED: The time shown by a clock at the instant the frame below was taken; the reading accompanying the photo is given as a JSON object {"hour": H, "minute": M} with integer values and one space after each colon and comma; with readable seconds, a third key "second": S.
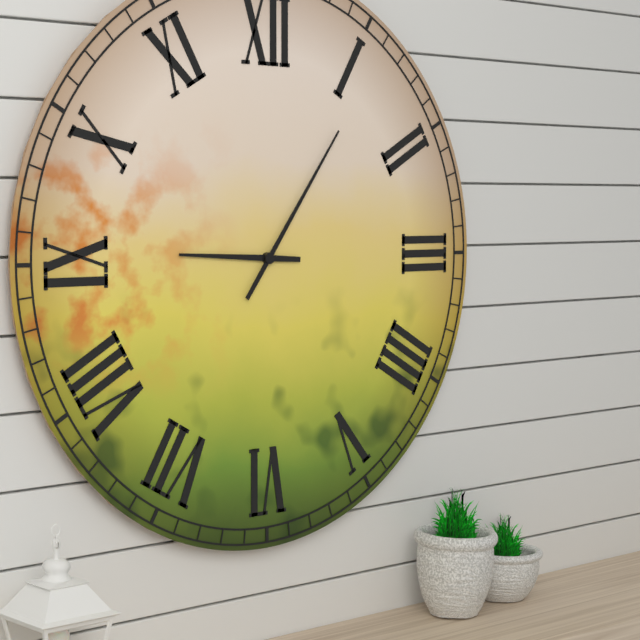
{"hour": 9, "minute": 6}
